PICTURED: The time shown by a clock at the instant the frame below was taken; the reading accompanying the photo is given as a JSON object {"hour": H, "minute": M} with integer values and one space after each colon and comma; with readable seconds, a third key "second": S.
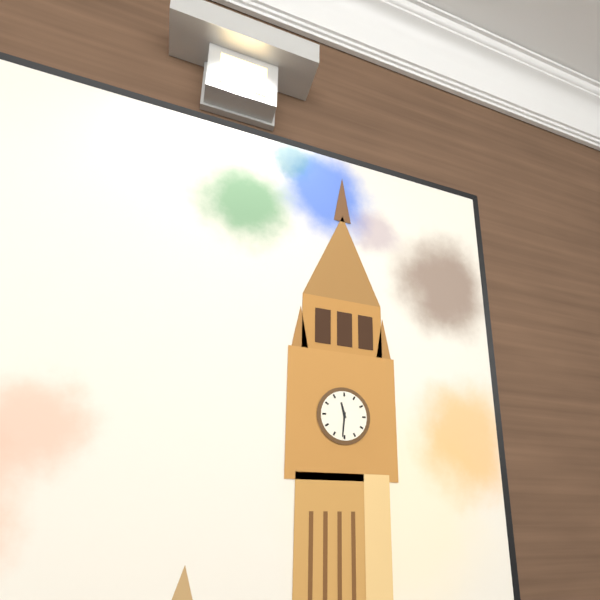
{"hour": 11, "minute": 31}
